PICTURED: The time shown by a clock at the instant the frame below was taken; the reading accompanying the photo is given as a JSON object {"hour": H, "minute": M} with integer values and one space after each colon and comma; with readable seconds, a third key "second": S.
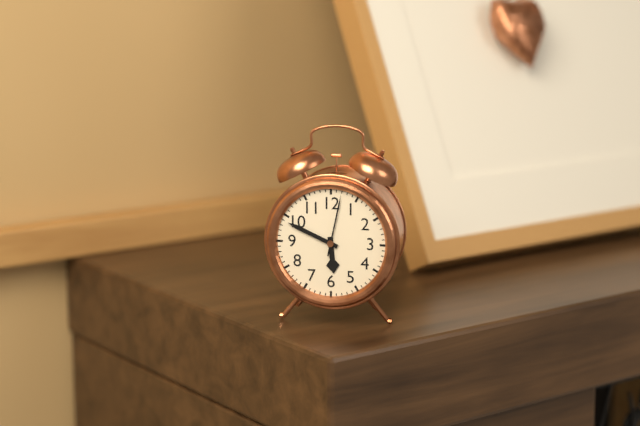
{"hour": 5, "minute": 49, "second": 2}
